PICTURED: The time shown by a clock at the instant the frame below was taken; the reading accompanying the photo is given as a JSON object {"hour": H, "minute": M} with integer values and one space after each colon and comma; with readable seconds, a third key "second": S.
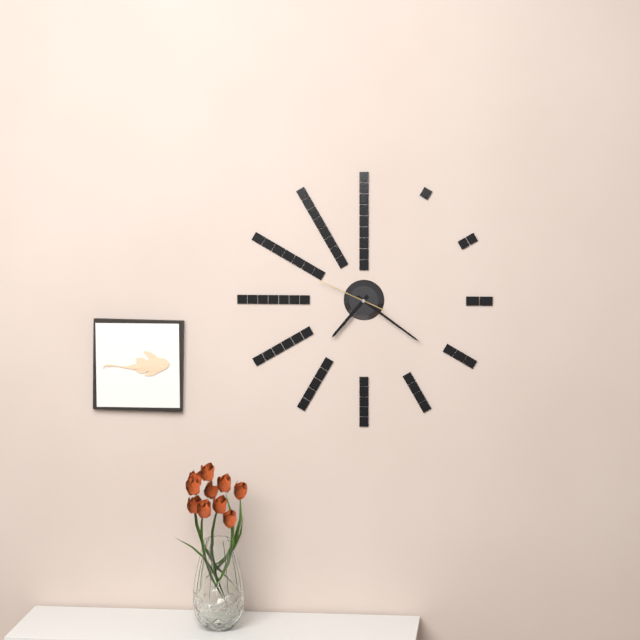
{"hour": 7, "minute": 21, "second": 49}
